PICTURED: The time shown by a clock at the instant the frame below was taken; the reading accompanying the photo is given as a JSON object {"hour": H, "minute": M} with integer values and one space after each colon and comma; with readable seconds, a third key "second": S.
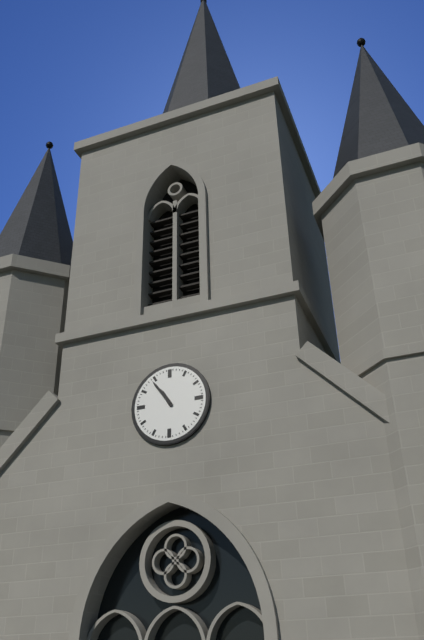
{"hour": 10, "minute": 54}
